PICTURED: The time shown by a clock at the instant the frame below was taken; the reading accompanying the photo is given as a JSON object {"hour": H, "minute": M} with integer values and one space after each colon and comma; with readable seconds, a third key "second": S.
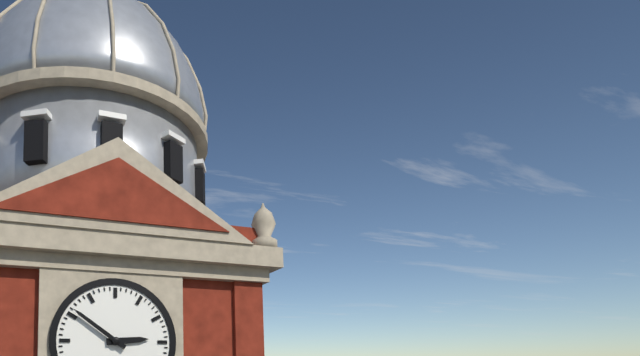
{"hour": 2, "minute": 51}
